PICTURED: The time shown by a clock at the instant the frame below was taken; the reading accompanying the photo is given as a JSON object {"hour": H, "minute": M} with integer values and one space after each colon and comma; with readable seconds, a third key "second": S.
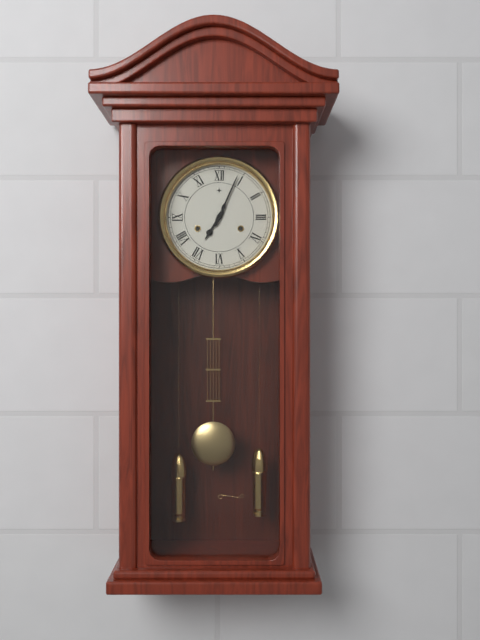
{"hour": 7, "minute": 4}
